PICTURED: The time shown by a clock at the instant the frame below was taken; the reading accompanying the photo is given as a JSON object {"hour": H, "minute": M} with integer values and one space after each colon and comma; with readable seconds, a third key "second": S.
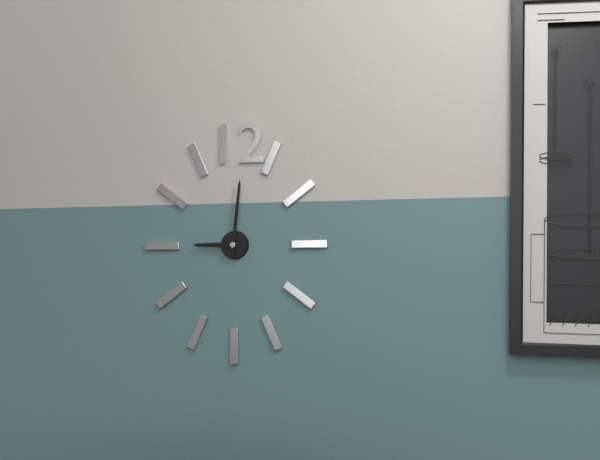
{"hour": 9, "minute": 1}
